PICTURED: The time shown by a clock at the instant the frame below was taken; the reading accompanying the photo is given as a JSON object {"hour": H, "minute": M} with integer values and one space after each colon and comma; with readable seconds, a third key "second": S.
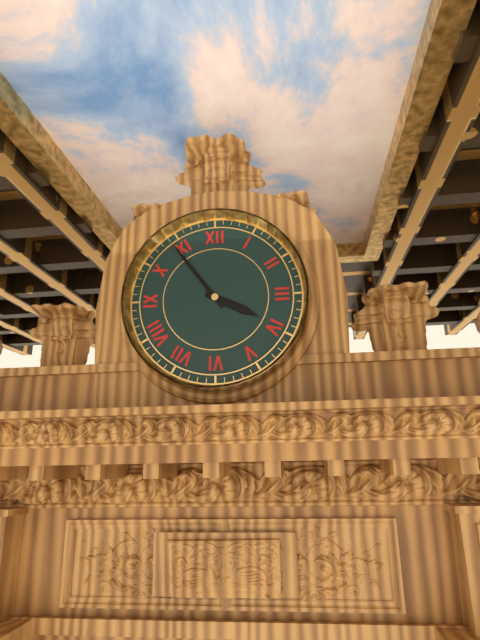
{"hour": 3, "minute": 54}
